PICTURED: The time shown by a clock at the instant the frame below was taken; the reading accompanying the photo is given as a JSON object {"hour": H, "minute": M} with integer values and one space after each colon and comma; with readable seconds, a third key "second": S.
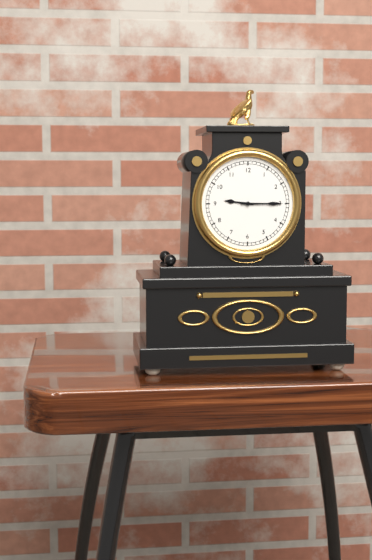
{"hour": 9, "minute": 15}
